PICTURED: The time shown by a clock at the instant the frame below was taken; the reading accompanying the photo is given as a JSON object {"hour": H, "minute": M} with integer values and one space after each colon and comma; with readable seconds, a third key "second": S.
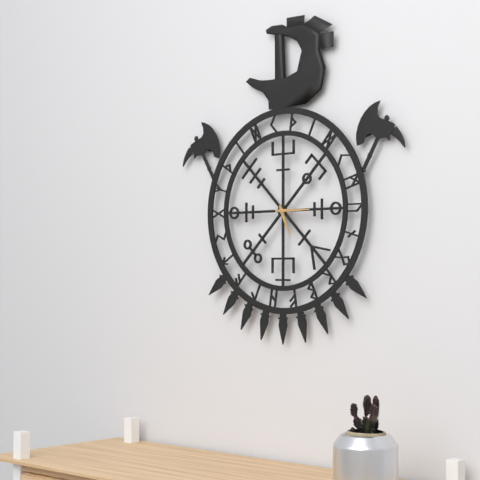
{"hour": 5, "minute": 15}
